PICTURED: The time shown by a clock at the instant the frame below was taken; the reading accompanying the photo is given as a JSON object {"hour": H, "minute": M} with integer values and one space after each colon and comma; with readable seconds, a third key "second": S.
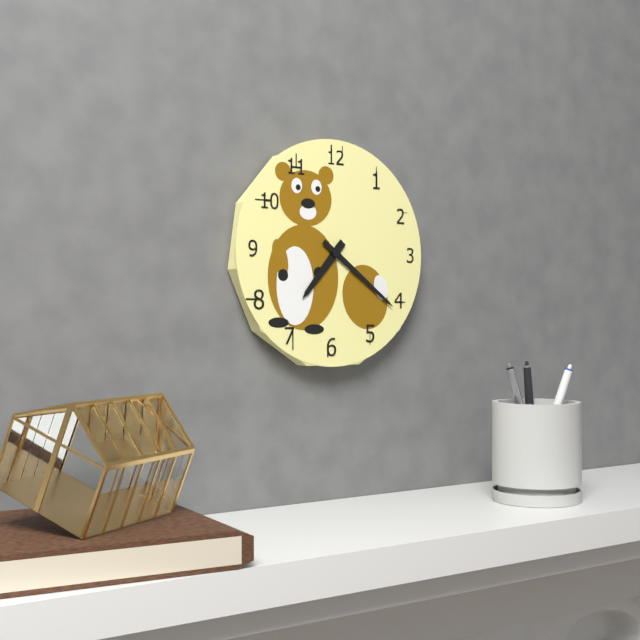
{"hour": 7, "minute": 21}
